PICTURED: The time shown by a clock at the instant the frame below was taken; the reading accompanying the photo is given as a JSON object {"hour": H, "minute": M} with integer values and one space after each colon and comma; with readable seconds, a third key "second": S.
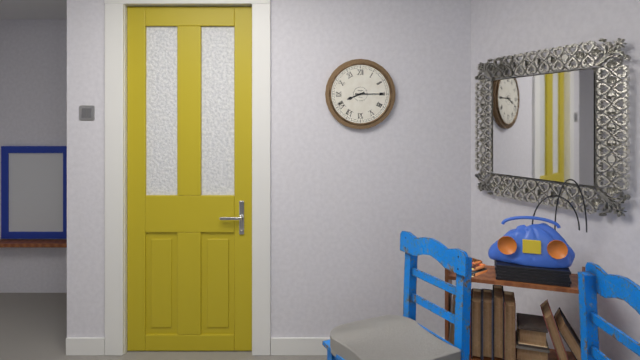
{"hour": 8, "minute": 15}
